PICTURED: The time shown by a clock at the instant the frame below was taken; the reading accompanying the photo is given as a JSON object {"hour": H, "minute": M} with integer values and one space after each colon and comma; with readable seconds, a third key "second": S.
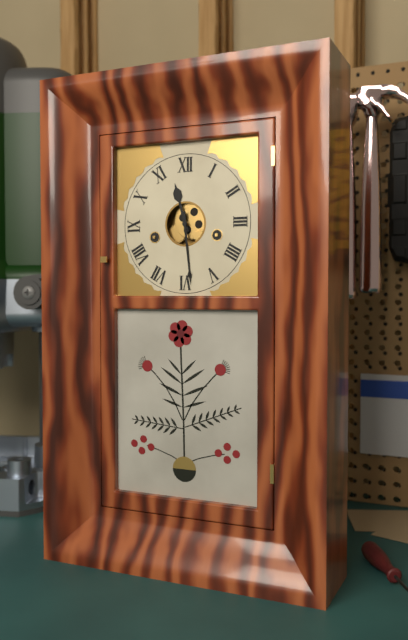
{"hour": 11, "minute": 29}
